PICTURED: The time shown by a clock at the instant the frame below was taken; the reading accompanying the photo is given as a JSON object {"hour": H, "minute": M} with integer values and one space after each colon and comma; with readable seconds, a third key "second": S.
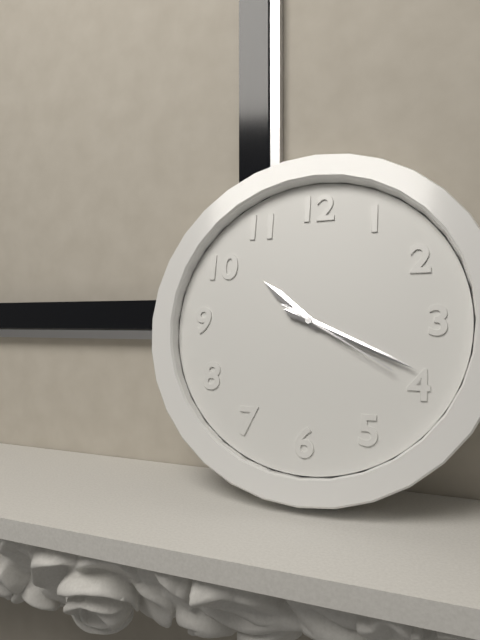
{"hour": 10, "minute": 19, "second": 20}
